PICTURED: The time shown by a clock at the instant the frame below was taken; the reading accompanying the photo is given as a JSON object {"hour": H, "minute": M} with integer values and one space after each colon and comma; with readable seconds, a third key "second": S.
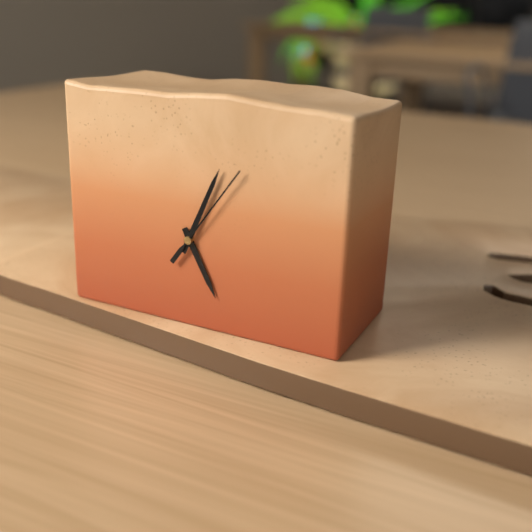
{"hour": 5, "minute": 4, "second": 6}
